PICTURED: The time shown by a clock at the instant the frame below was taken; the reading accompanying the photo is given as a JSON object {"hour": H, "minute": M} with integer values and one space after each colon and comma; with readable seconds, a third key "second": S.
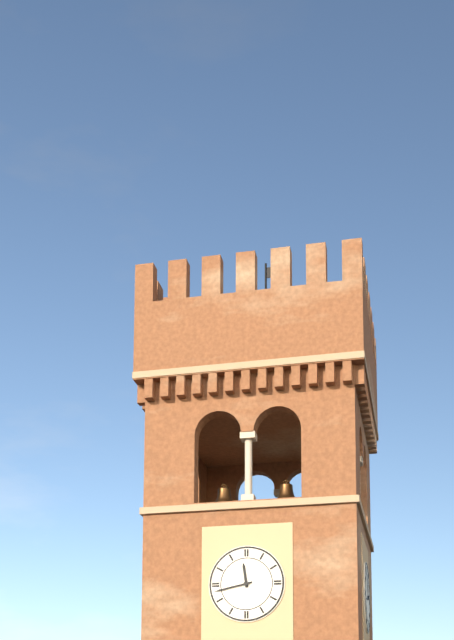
{"hour": 11, "minute": 43}
